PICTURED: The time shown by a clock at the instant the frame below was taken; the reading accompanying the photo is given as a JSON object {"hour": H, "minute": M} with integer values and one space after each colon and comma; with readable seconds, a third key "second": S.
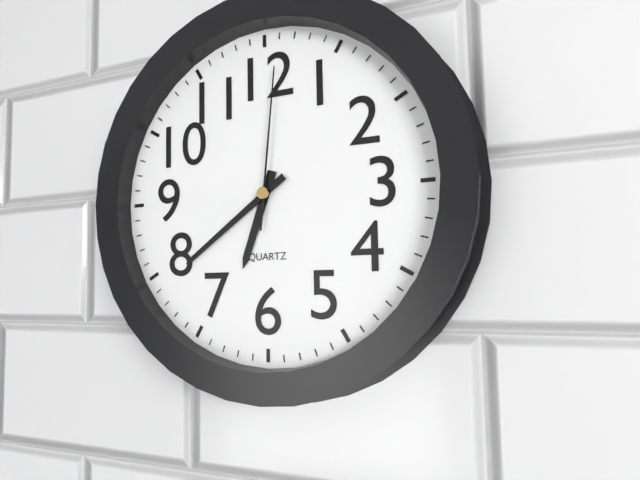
{"hour": 6, "minute": 39, "second": 1}
